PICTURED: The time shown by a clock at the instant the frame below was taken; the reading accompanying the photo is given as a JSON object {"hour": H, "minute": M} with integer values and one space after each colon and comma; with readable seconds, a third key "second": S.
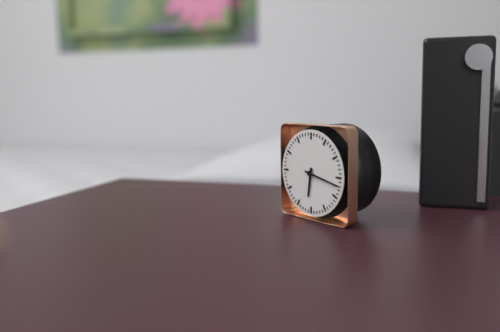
{"hour": 6, "minute": 17}
